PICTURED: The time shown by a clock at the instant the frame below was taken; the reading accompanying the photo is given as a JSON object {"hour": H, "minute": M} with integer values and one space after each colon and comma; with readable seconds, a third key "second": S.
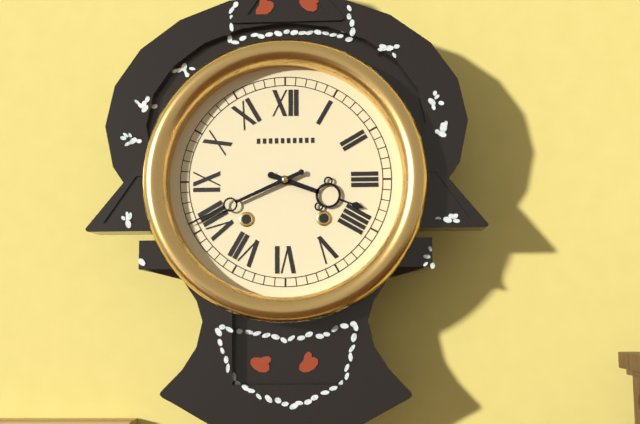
{"hour": 3, "minute": 41}
